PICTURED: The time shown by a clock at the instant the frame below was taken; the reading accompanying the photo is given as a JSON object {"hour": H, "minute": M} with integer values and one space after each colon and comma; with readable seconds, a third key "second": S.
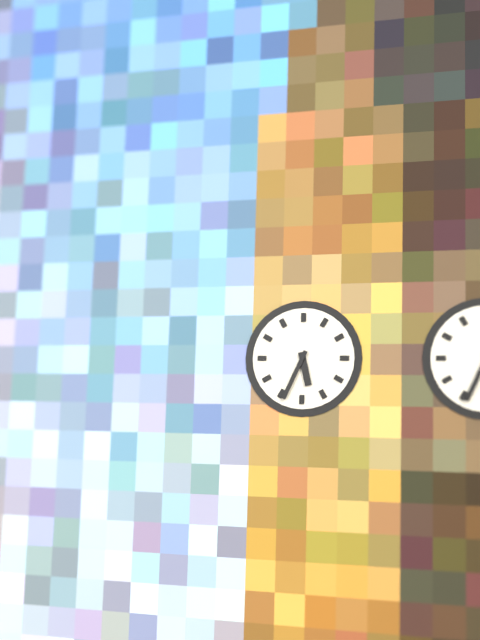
{"hour": 5, "minute": 34}
